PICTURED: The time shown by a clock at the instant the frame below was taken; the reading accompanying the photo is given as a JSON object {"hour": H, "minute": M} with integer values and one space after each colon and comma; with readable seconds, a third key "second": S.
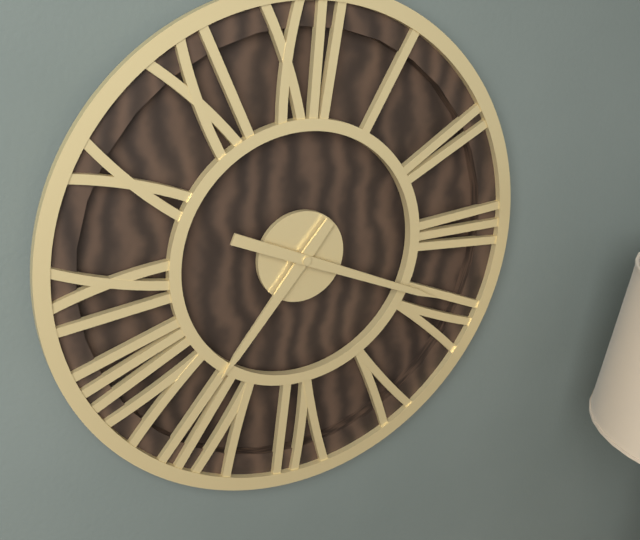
{"hour": 7, "minute": 19}
